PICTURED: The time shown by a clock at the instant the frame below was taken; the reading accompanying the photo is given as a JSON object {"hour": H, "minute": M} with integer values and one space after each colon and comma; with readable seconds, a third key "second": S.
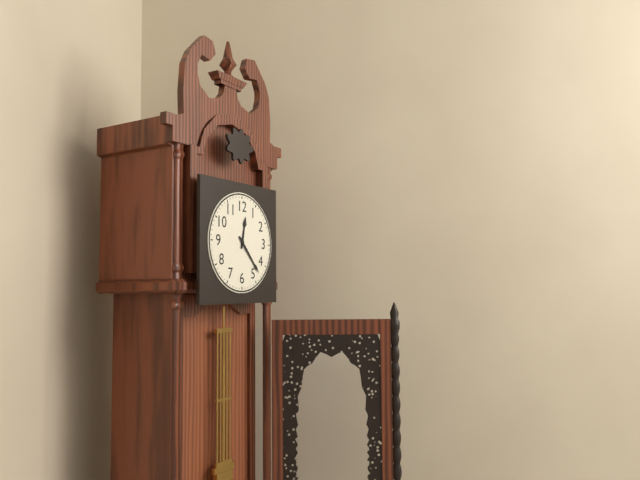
{"hour": 12, "minute": 23}
